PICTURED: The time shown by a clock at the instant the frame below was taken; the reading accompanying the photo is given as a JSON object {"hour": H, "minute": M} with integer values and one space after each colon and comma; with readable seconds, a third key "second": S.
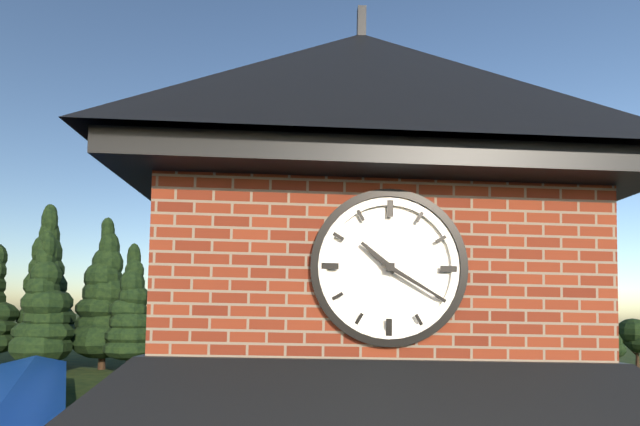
{"hour": 10, "minute": 20}
